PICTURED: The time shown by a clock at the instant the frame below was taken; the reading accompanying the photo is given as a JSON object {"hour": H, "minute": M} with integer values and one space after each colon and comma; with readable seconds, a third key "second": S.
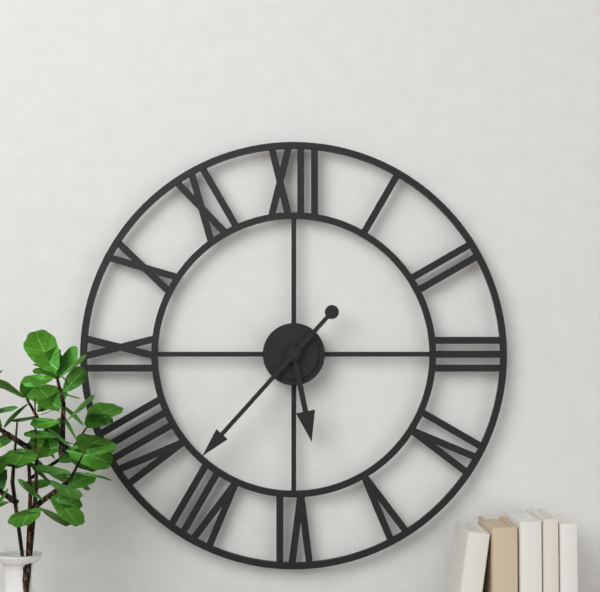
{"hour": 5, "minute": 37}
